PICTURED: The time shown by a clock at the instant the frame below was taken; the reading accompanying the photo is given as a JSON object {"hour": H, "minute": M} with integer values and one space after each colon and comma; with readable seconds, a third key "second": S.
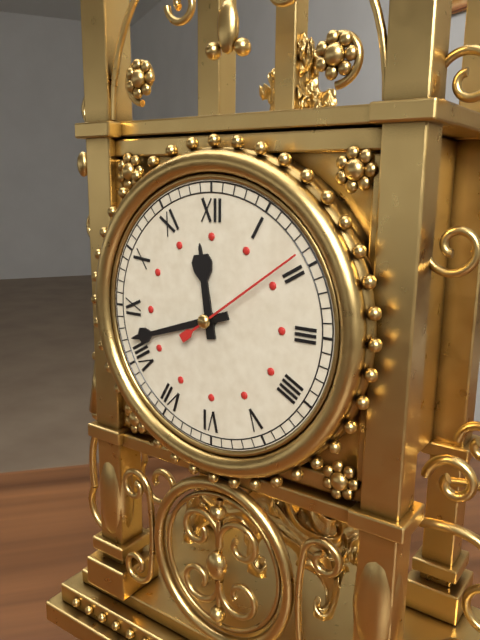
{"hour": 11, "minute": 42, "second": 9}
